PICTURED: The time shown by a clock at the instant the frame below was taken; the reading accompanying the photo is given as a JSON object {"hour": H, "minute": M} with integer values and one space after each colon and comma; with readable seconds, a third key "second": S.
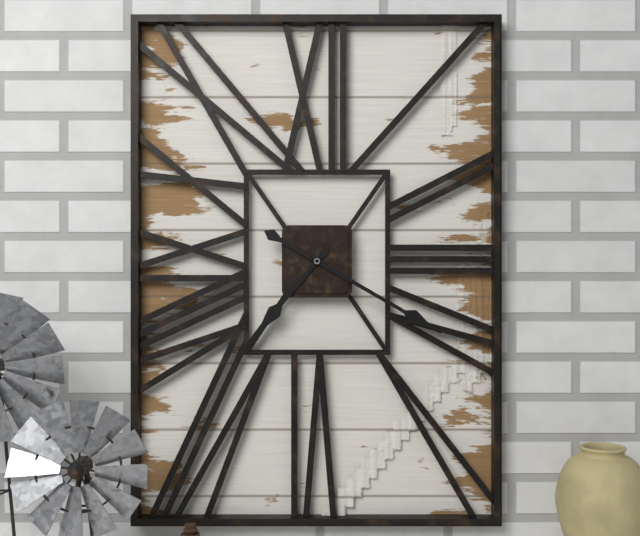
{"hour": 7, "minute": 20}
